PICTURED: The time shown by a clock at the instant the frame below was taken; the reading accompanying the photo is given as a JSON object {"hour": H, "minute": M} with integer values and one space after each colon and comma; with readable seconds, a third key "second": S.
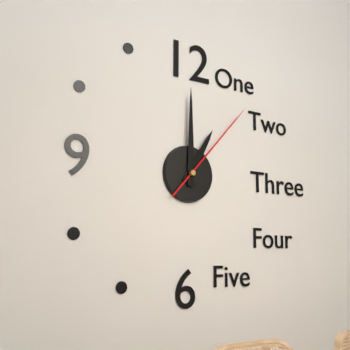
{"hour": 1, "minute": 0, "second": 7}
